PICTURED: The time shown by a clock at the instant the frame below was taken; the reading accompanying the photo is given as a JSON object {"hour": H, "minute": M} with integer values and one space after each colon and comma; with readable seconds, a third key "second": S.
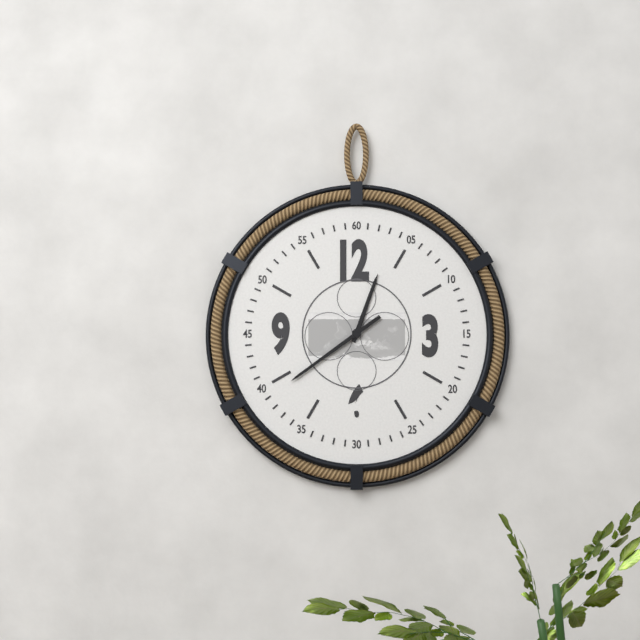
{"hour": 12, "minute": 39}
